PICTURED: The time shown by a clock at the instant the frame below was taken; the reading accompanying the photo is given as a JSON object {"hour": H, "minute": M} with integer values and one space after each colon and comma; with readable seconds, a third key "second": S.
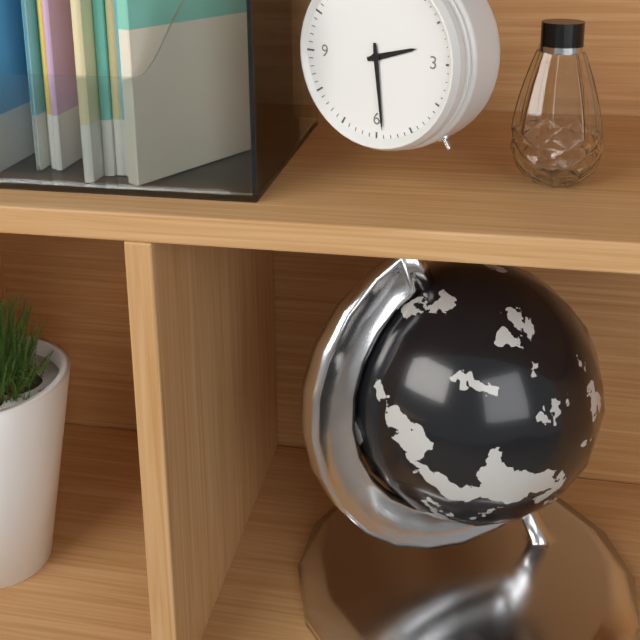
{"hour": 2, "minute": 29}
